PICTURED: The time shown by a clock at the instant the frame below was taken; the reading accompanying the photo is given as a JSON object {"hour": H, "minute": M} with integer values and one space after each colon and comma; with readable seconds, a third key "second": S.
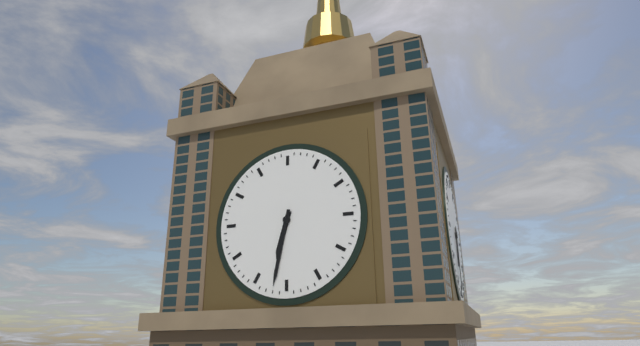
{"hour": 6, "minute": 32}
